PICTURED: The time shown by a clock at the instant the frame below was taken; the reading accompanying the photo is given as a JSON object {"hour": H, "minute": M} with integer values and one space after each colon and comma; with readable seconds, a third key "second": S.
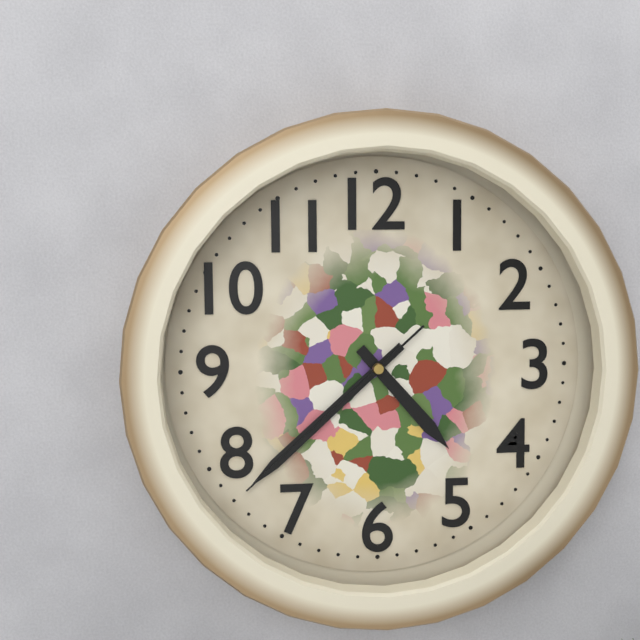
{"hour": 4, "minute": 38, "second": 38}
